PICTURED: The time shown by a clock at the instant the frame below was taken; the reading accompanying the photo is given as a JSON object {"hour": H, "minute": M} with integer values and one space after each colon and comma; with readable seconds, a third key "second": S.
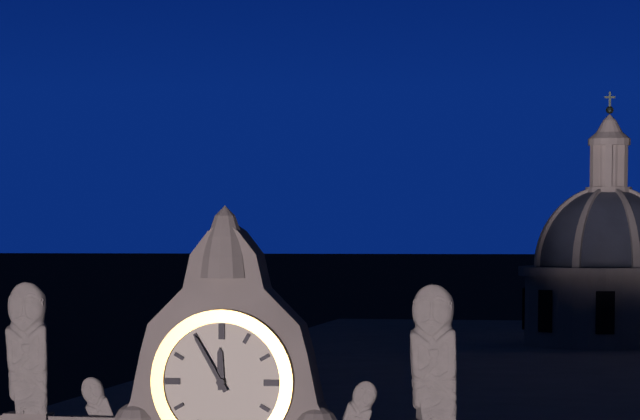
{"hour": 11, "minute": 55}
